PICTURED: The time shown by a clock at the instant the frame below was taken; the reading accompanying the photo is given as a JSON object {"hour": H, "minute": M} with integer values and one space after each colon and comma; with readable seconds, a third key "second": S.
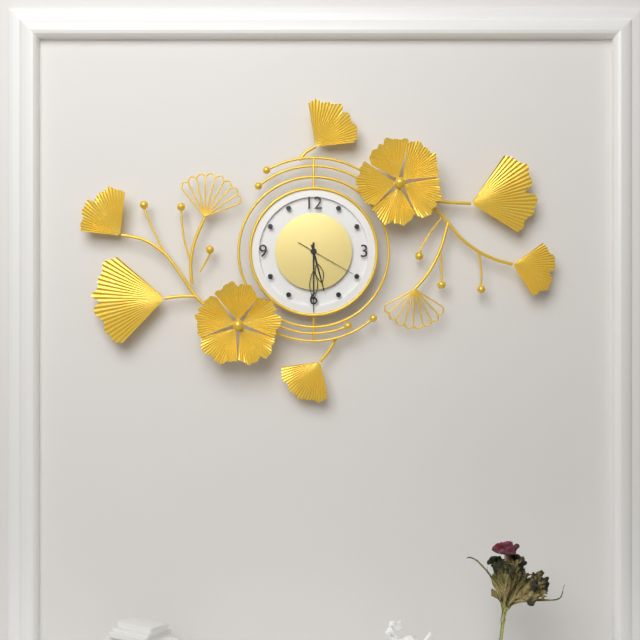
{"hour": 5, "minute": 30, "second": 20}
